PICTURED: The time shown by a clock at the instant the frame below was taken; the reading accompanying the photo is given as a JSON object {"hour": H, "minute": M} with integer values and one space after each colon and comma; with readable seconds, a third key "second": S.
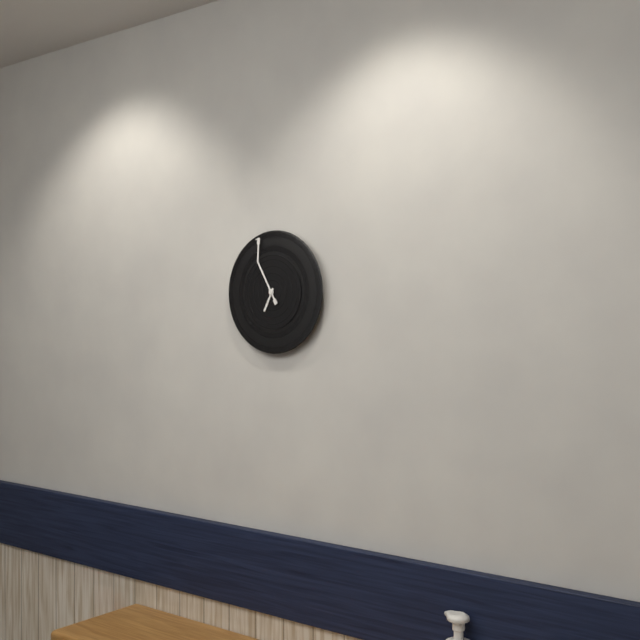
{"hour": 6, "minute": 55}
